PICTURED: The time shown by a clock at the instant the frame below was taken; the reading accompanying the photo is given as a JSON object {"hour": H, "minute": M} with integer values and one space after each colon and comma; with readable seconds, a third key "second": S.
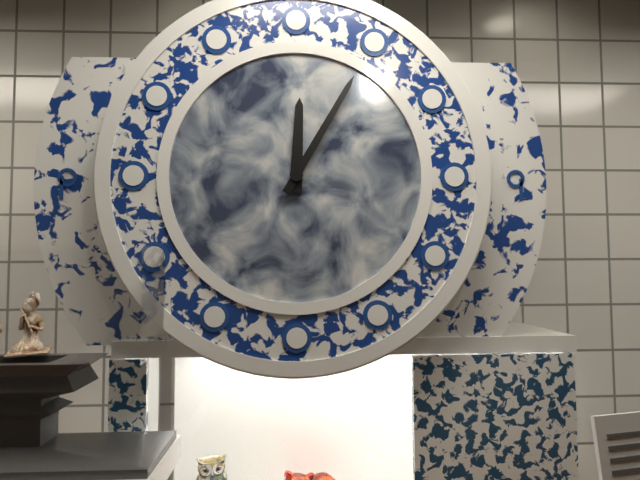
{"hour": 12, "minute": 5}
